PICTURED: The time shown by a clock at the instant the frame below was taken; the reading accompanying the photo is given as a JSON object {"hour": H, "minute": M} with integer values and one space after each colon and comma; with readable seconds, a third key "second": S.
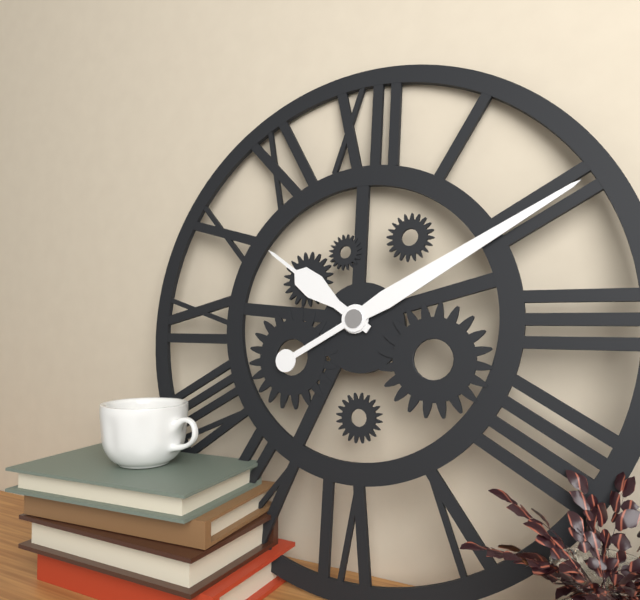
{"hour": 10, "minute": 10}
